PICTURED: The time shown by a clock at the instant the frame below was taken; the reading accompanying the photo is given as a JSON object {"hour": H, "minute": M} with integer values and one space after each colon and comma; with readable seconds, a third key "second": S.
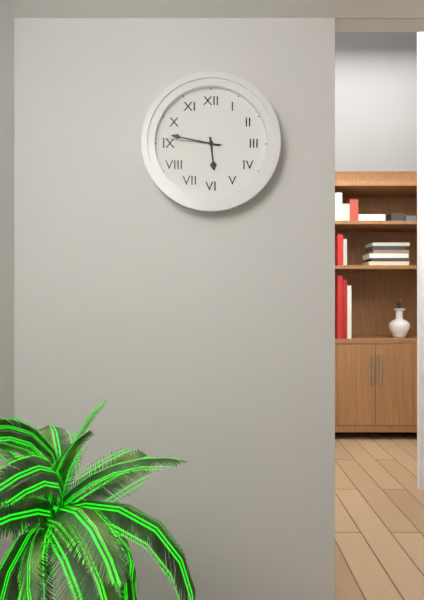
{"hour": 5, "minute": 47, "second": 46}
